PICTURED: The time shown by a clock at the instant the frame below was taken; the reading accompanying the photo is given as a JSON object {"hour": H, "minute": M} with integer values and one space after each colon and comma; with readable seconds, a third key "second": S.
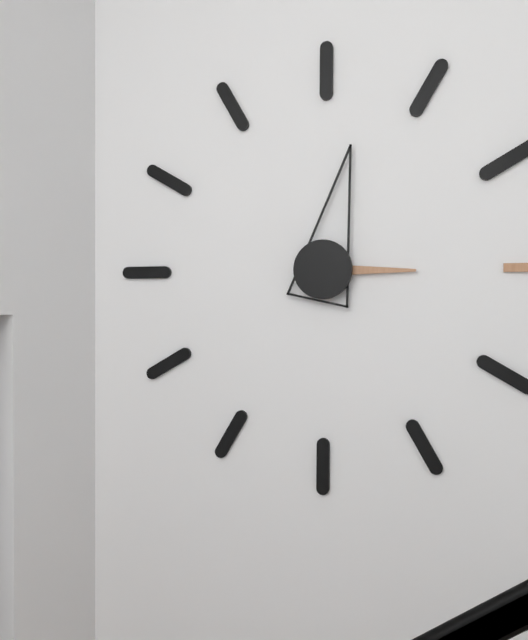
{"hour": 3, "minute": 2}
